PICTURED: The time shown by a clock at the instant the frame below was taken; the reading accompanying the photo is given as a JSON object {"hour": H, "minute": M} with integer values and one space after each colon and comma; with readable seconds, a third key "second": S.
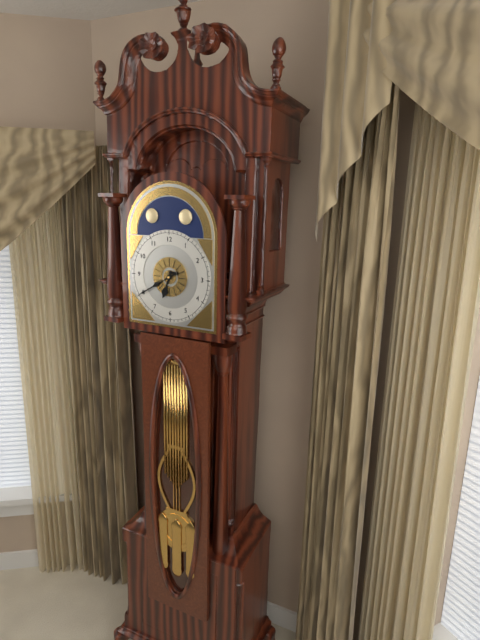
{"hour": 6, "minute": 40}
